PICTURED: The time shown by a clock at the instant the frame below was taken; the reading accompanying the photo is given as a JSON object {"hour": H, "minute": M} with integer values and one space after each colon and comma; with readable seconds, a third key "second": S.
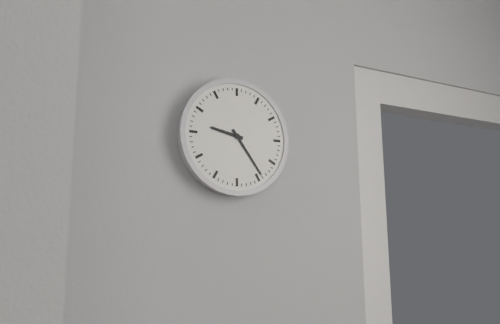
{"hour": 9, "minute": 24}
